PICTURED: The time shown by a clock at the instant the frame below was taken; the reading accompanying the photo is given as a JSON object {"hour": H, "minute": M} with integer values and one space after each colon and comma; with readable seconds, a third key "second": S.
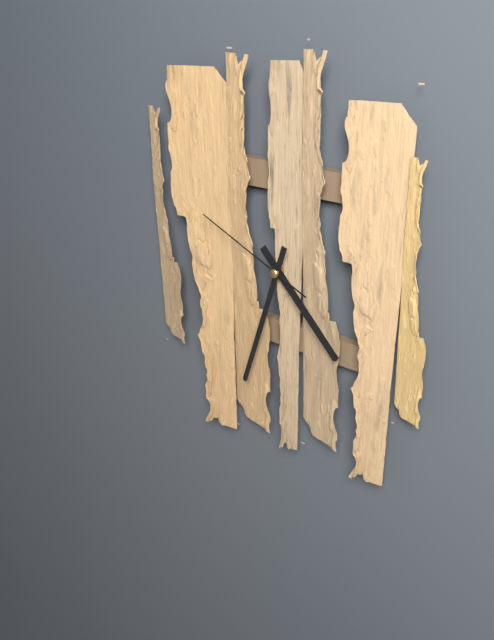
{"hour": 4, "minute": 33, "second": 49}
